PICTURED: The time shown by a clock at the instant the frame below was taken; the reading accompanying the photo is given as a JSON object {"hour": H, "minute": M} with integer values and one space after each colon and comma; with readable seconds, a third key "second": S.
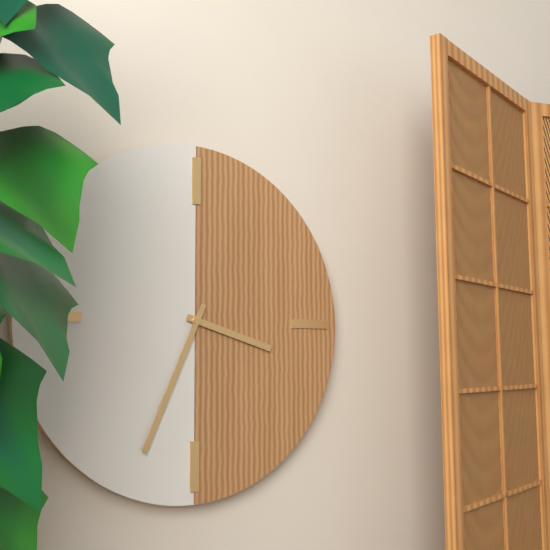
{"hour": 3, "minute": 34}
